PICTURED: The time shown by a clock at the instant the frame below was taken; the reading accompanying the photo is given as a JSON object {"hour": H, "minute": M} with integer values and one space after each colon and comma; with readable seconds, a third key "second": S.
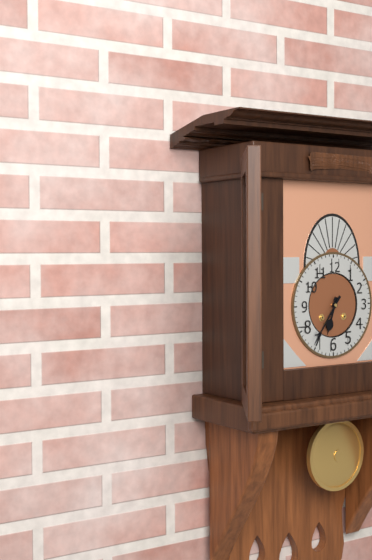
{"hour": 6, "minute": 36}
